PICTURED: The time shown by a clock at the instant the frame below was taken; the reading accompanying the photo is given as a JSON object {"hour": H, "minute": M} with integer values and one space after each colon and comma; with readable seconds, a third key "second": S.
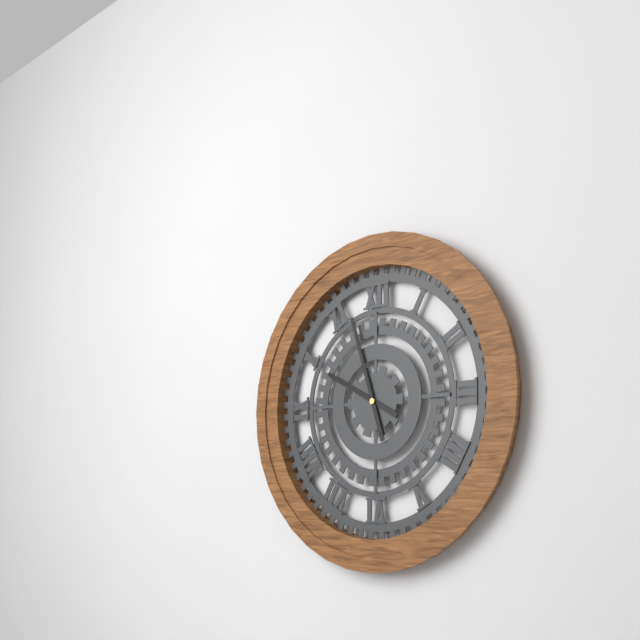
{"hour": 9, "minute": 57}
